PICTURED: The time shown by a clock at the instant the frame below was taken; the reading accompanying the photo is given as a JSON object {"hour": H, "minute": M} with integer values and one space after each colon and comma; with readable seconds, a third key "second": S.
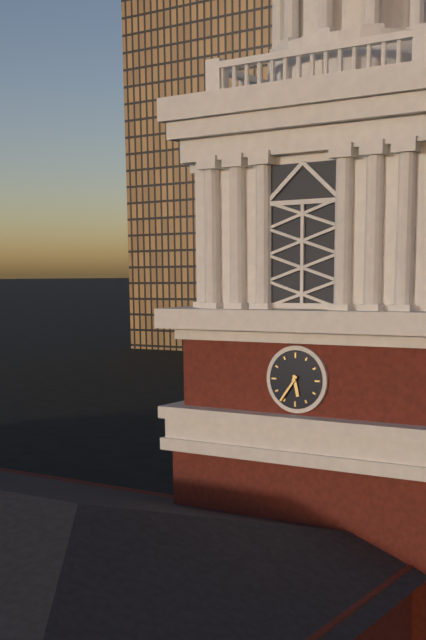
{"hour": 5, "minute": 36}
